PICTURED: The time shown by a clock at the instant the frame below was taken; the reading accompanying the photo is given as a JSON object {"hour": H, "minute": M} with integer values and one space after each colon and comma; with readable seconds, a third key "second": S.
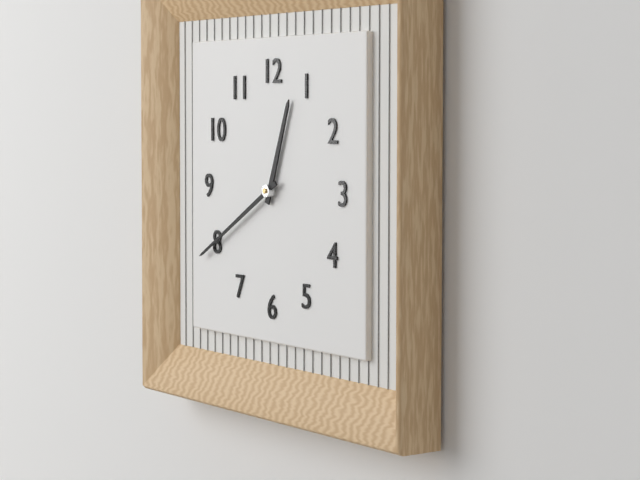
{"hour": 12, "minute": 40}
